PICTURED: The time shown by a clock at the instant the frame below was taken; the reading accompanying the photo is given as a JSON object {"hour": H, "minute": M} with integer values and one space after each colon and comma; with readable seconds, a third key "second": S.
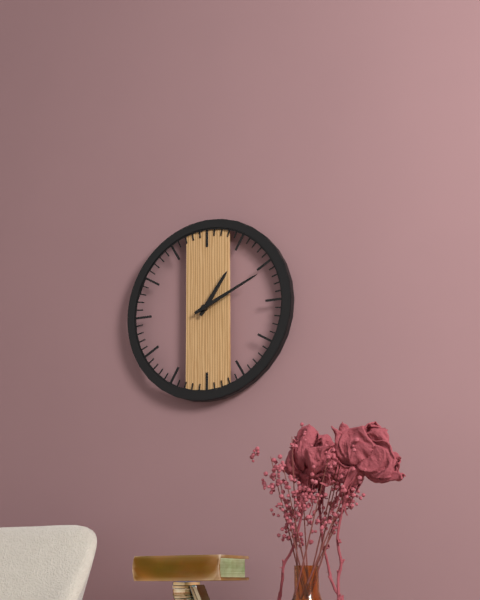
{"hour": 1, "minute": 11}
